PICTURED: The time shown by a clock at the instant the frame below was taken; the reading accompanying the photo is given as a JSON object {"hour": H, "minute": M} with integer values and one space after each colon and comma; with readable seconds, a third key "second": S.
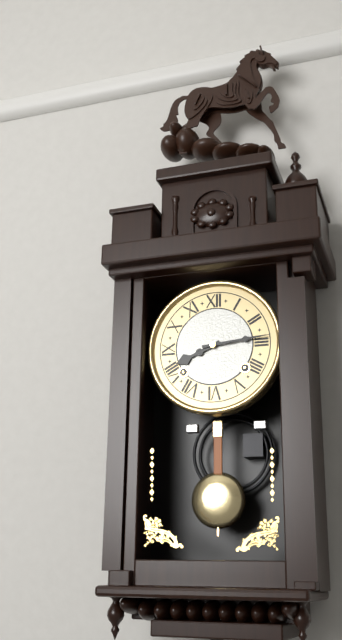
{"hour": 8, "minute": 14}
